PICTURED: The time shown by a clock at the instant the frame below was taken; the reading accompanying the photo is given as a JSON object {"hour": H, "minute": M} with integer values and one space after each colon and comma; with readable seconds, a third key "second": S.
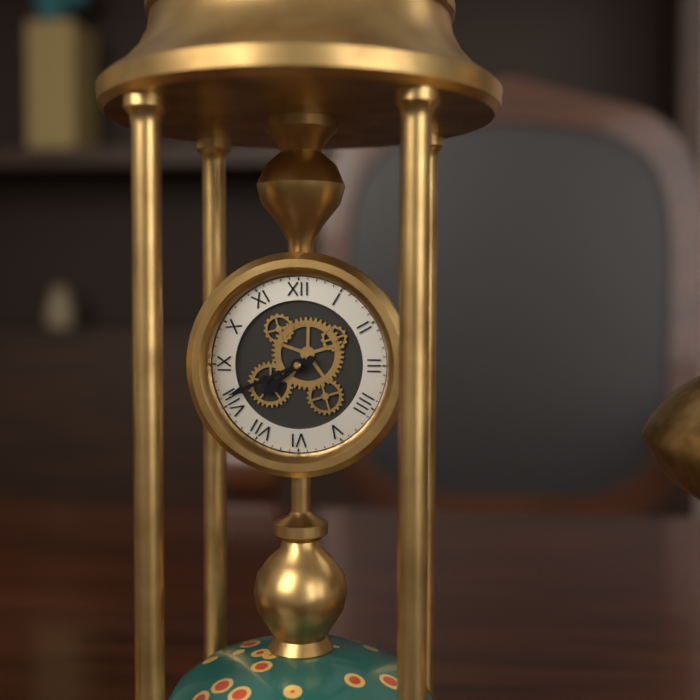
{"hour": 7, "minute": 41}
